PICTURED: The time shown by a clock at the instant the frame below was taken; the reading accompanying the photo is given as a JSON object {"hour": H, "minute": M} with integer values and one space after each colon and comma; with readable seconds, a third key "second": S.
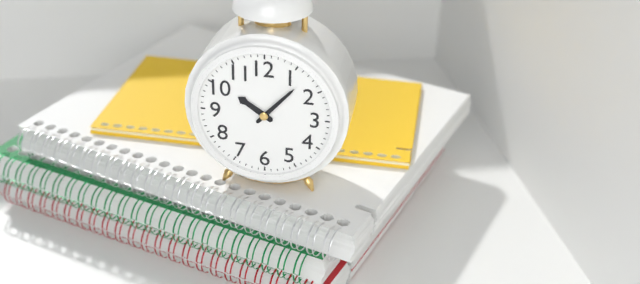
{"hour": 10, "minute": 7}
